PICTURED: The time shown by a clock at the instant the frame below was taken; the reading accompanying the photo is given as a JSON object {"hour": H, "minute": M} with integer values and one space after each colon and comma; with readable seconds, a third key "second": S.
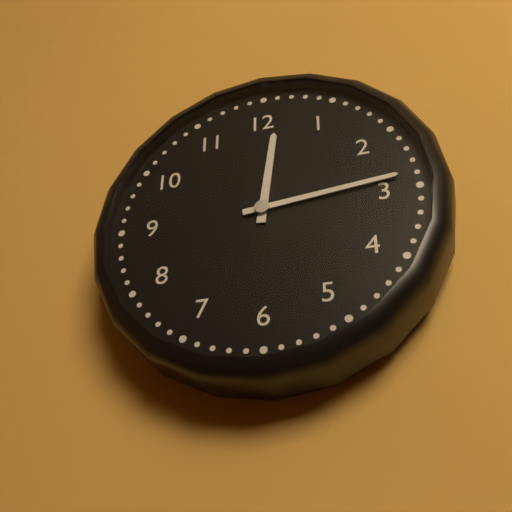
{"hour": 12, "minute": 14}
